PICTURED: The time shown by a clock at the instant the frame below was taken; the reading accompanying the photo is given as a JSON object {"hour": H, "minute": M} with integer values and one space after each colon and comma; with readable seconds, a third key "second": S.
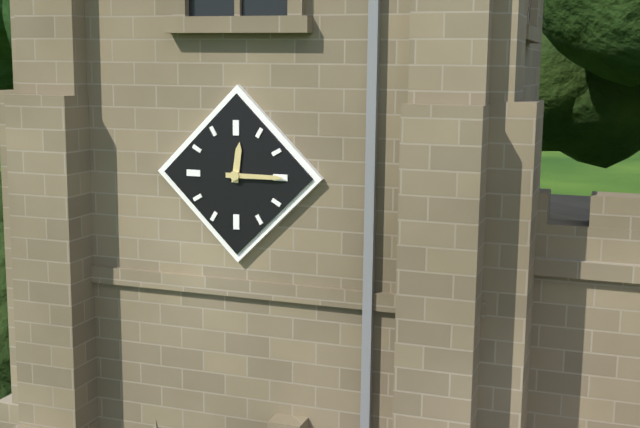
{"hour": 12, "minute": 15}
